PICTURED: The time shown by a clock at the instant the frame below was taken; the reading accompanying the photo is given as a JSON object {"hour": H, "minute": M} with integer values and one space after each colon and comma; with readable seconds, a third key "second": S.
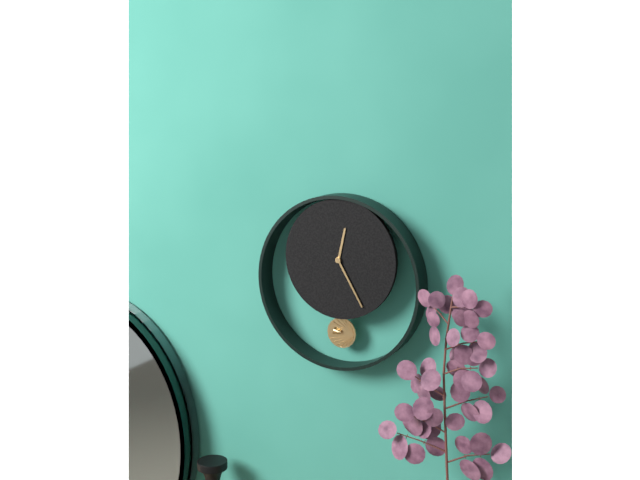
{"hour": 12, "minute": 25}
